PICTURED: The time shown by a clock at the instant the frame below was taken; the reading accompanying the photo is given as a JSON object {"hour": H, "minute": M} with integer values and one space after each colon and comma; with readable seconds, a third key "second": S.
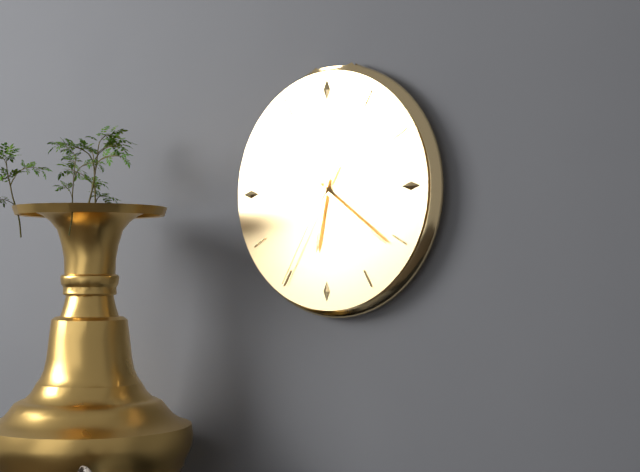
{"hour": 6, "minute": 21, "second": 35}
